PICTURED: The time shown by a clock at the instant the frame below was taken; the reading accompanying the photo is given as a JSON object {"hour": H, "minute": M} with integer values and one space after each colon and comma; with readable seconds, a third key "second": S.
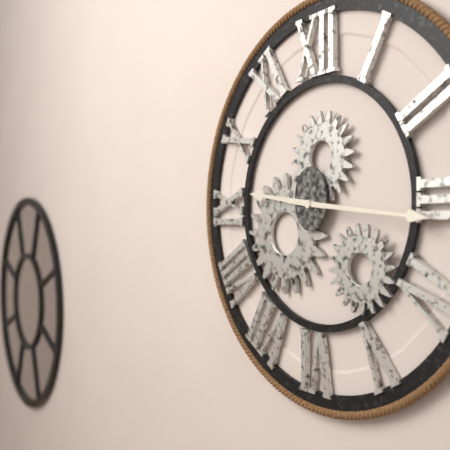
{"hour": 9, "minute": 16}
